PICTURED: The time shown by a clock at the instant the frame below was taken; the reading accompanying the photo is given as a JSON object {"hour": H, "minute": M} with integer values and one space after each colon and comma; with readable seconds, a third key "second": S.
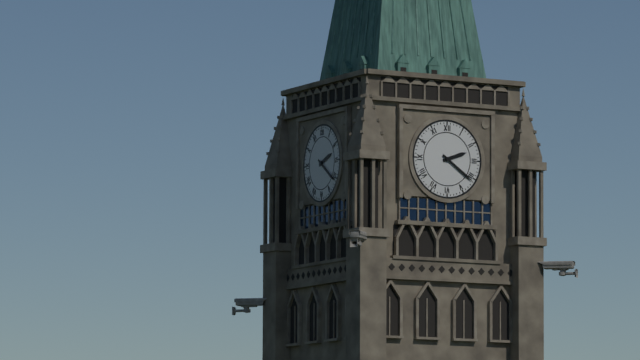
{"hour": 2, "minute": 21}
